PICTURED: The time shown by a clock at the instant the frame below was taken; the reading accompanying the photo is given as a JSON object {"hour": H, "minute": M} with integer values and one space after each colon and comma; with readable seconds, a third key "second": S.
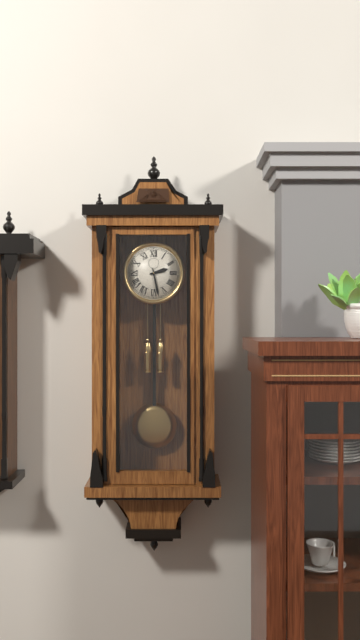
{"hour": 2, "minute": 28}
